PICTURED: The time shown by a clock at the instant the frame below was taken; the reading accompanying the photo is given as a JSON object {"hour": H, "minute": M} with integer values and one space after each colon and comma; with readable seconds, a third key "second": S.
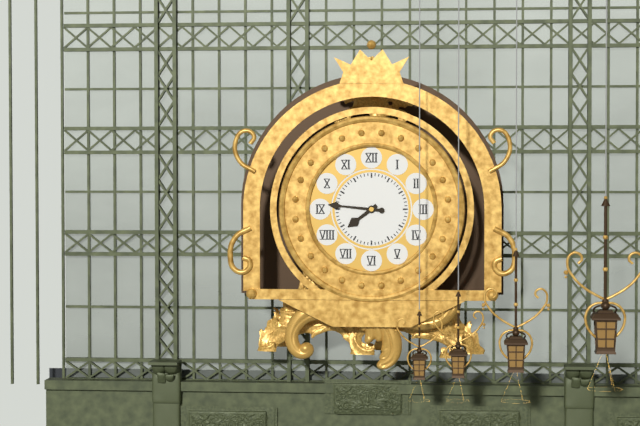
{"hour": 7, "minute": 46}
